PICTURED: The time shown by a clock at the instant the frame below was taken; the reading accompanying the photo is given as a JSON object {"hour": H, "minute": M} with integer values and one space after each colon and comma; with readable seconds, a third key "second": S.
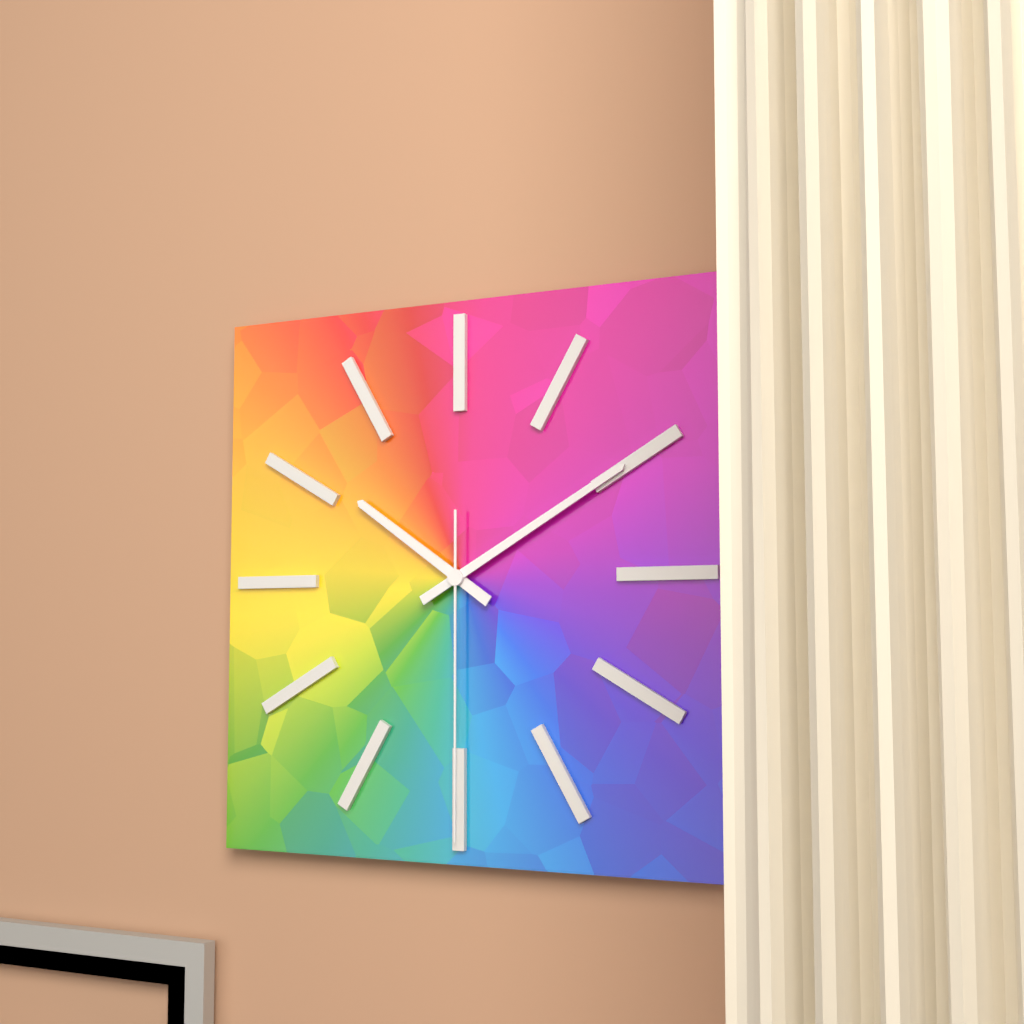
{"hour": 10, "minute": 10, "second": 30}
